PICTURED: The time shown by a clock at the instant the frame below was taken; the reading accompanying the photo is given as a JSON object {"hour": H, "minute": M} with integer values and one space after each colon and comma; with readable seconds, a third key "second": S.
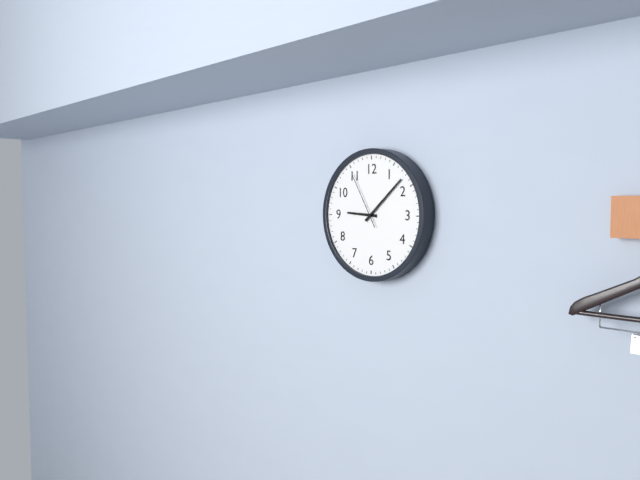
{"hour": 9, "minute": 8, "second": 55}
